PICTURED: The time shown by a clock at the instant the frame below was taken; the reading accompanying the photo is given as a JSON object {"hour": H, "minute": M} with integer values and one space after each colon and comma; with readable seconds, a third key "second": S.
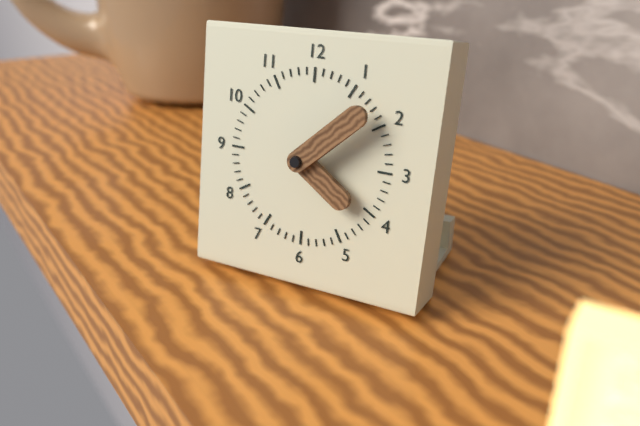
{"hour": 4, "minute": 8}
